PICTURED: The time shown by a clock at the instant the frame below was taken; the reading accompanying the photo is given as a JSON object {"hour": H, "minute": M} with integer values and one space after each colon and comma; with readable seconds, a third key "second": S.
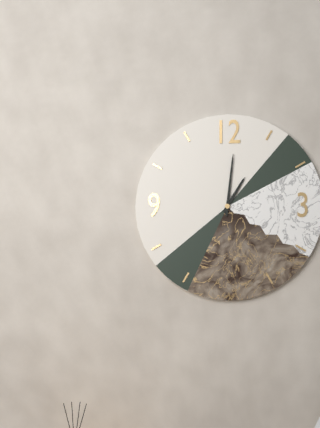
{"hour": 1, "minute": 1}
